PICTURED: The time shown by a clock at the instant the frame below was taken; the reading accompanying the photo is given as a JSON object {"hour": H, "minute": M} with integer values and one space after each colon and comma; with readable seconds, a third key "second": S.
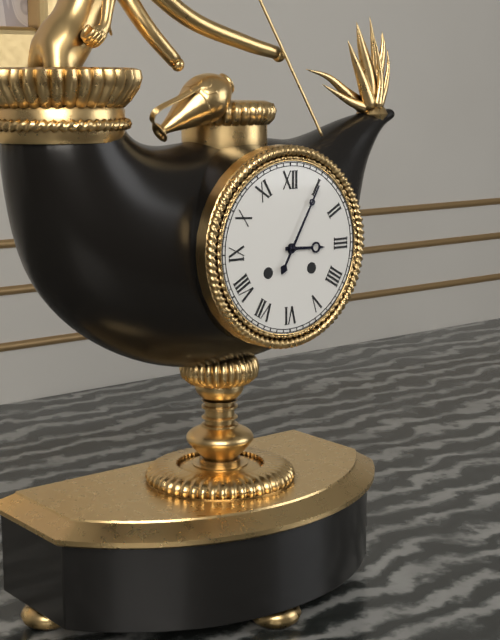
{"hour": 3, "minute": 5}
